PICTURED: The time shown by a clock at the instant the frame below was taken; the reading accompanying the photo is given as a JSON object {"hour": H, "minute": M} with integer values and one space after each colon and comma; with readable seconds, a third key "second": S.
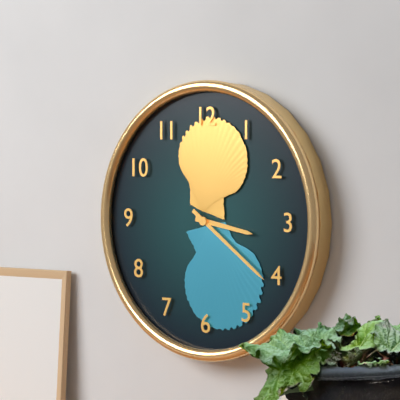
{"hour": 3, "minute": 21}
